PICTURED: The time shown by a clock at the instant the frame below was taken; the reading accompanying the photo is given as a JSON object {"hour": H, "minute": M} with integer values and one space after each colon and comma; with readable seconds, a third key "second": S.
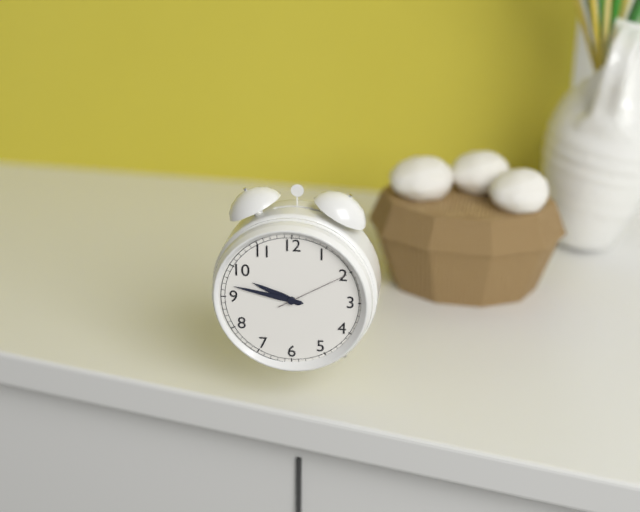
{"hour": 9, "minute": 47, "second": 10}
